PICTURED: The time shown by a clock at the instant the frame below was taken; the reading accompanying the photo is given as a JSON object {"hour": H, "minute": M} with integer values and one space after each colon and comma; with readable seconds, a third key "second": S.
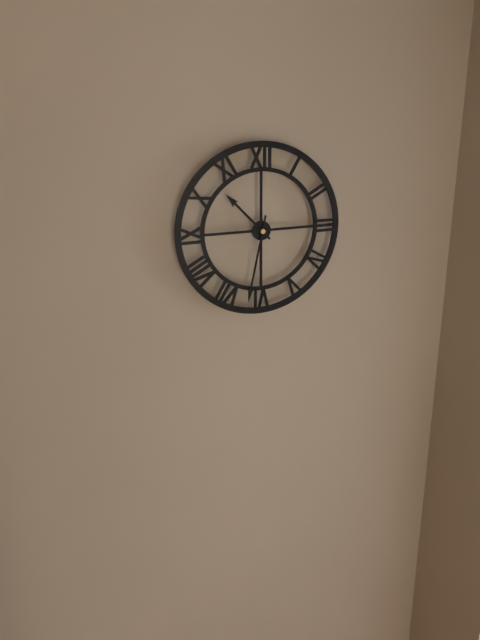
{"hour": 10, "minute": 32}
